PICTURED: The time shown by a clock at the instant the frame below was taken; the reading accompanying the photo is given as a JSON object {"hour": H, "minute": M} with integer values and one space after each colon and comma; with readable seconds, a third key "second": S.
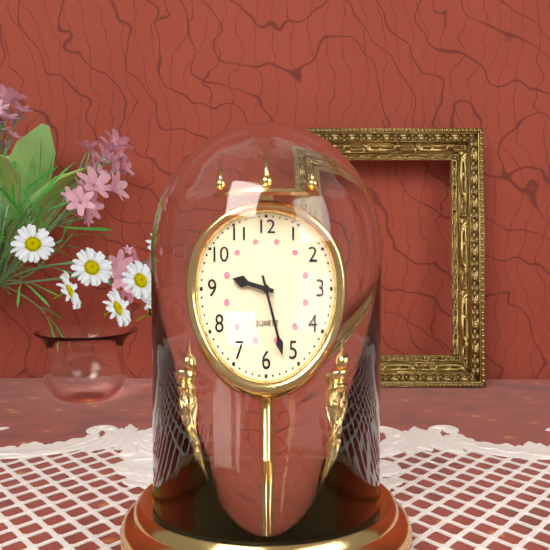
{"hour": 9, "minute": 27}
